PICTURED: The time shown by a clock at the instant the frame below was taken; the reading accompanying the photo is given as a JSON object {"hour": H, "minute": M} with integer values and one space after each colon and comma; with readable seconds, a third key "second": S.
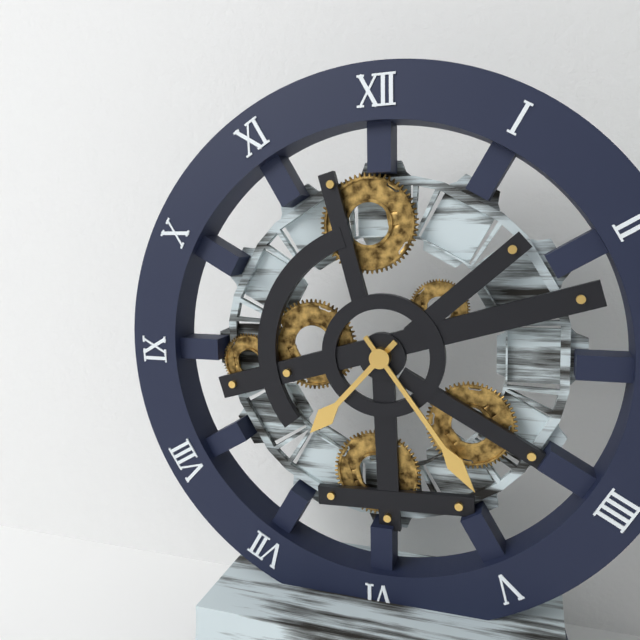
{"hour": 7, "minute": 24}
